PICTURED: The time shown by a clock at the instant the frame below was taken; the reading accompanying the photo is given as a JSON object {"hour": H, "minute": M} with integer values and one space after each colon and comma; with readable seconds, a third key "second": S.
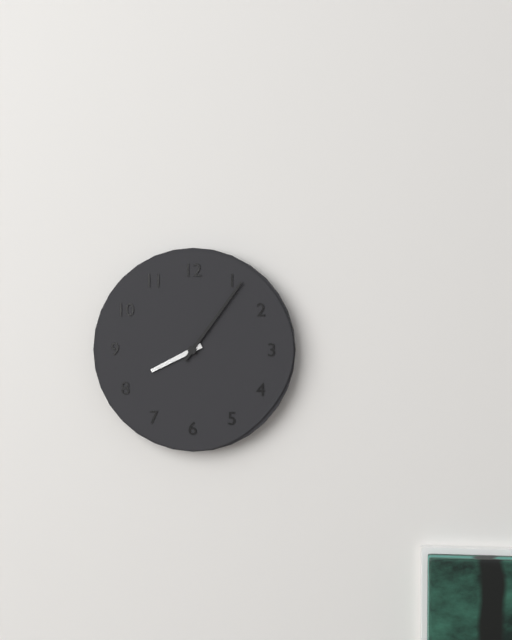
{"hour": 8, "minute": 6}
